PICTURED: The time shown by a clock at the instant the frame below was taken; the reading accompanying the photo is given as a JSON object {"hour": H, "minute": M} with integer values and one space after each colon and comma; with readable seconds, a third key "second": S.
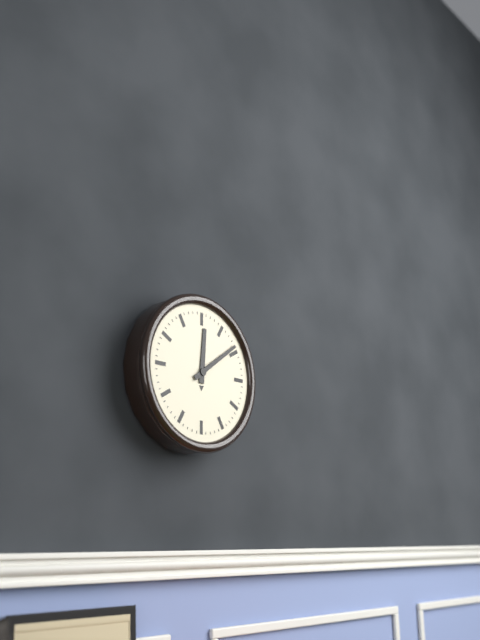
{"hour": 12, "minute": 9}
